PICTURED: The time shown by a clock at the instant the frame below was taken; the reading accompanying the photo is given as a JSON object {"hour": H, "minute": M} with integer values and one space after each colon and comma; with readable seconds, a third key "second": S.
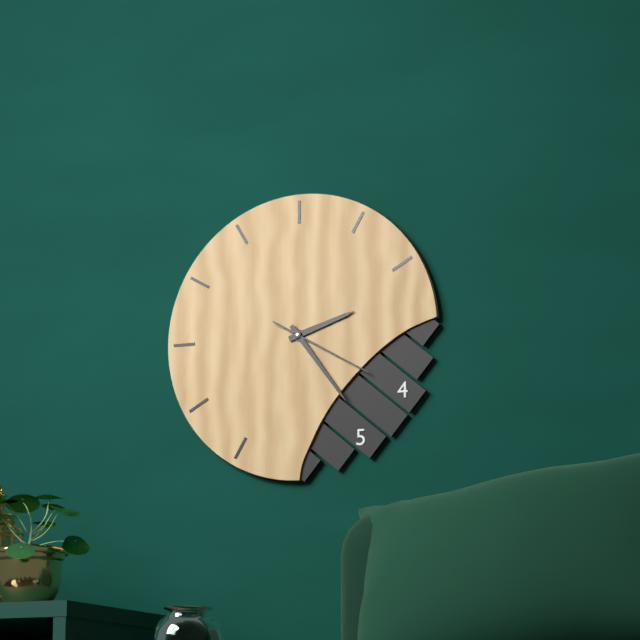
{"hour": 2, "minute": 24, "second": 20}
